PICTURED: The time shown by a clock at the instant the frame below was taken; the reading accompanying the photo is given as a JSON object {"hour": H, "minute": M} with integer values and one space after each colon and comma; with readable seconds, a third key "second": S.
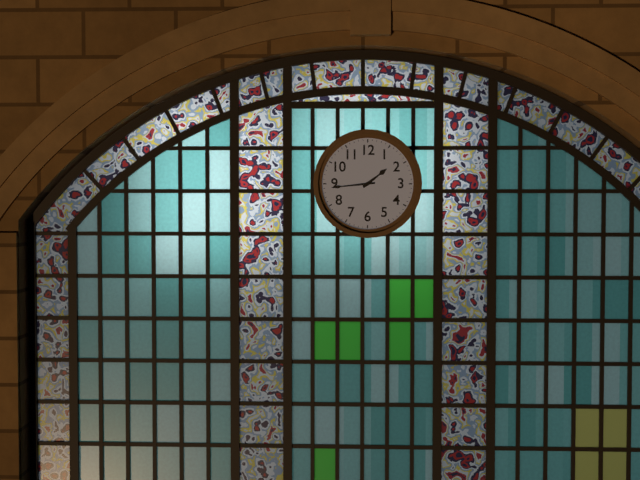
{"hour": 1, "minute": 44}
